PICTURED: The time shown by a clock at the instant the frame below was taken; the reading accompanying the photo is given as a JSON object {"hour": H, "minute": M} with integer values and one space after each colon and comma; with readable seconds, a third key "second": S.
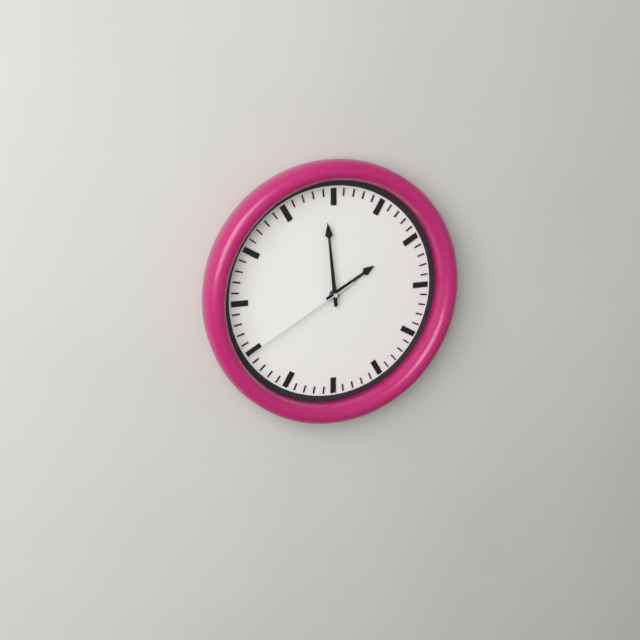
{"hour": 1, "minute": 59, "second": 40}
